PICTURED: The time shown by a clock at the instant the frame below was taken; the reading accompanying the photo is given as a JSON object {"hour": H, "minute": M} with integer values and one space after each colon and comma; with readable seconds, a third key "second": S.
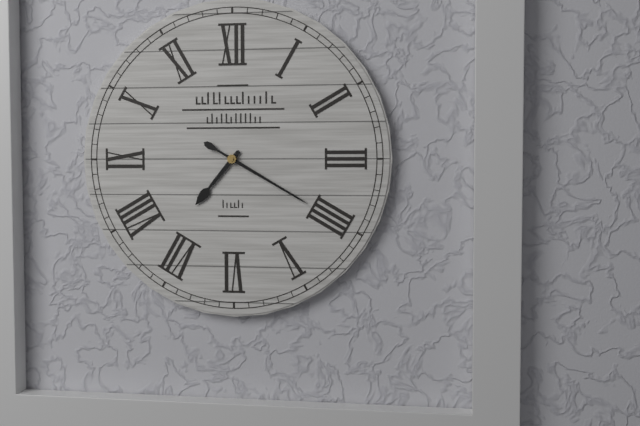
{"hour": 7, "minute": 20}
